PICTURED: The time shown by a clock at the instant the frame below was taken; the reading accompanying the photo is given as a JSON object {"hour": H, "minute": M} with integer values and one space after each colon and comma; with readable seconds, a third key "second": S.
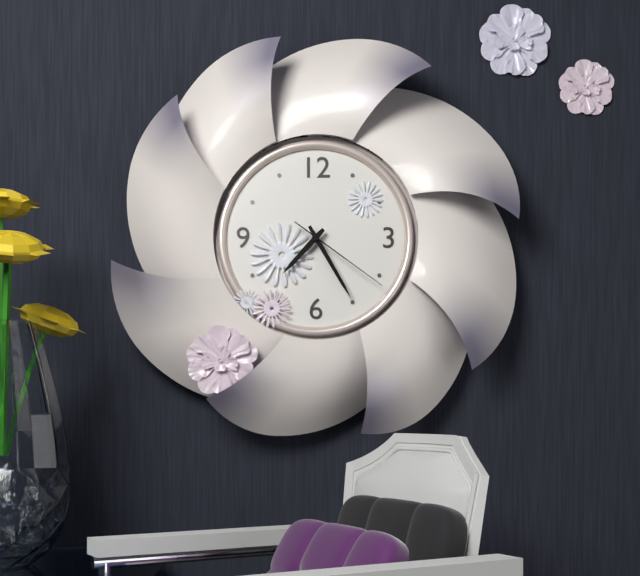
{"hour": 7, "minute": 25, "second": 21}
